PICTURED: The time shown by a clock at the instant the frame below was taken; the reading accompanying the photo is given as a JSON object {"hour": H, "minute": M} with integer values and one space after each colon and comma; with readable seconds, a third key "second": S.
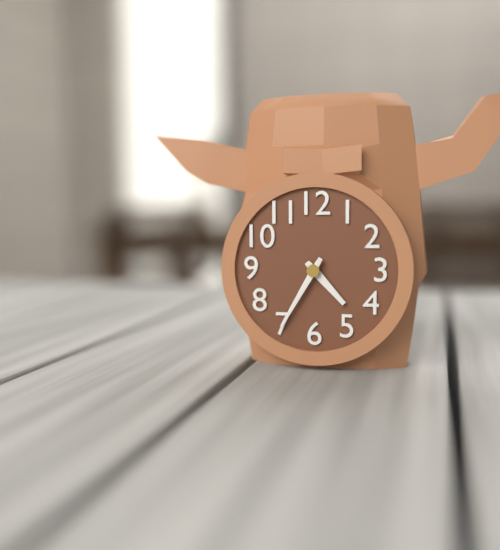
{"hour": 4, "minute": 35}
